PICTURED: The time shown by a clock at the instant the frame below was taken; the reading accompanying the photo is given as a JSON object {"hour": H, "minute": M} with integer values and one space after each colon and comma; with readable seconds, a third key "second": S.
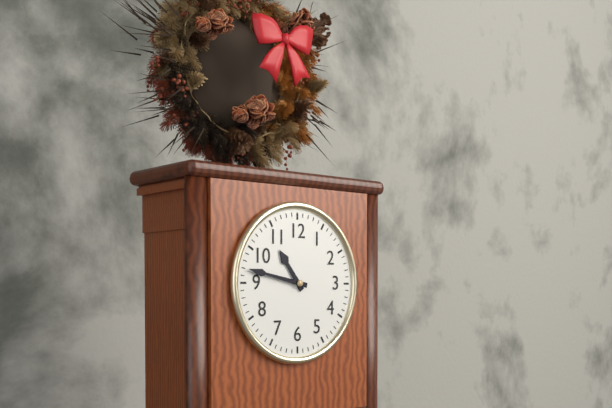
{"hour": 10, "minute": 47}
